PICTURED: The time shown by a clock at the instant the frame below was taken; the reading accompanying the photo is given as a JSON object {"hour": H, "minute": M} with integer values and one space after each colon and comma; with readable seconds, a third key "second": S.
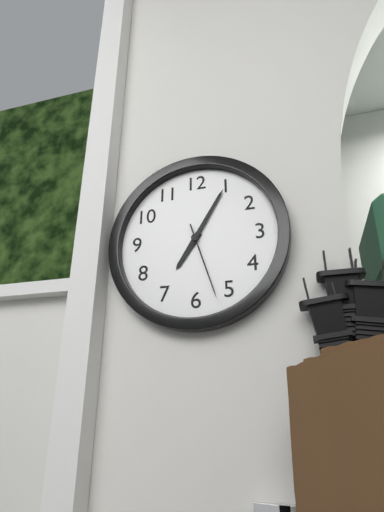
{"hour": 7, "minute": 5, "second": 27}
